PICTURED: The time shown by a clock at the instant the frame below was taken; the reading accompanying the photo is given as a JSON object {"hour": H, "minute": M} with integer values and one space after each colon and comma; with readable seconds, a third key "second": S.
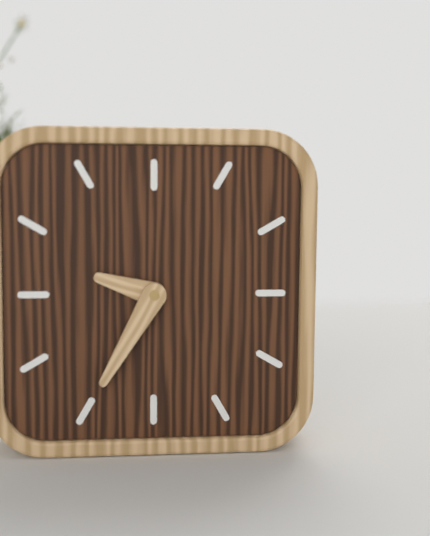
{"hour": 9, "minute": 35}
